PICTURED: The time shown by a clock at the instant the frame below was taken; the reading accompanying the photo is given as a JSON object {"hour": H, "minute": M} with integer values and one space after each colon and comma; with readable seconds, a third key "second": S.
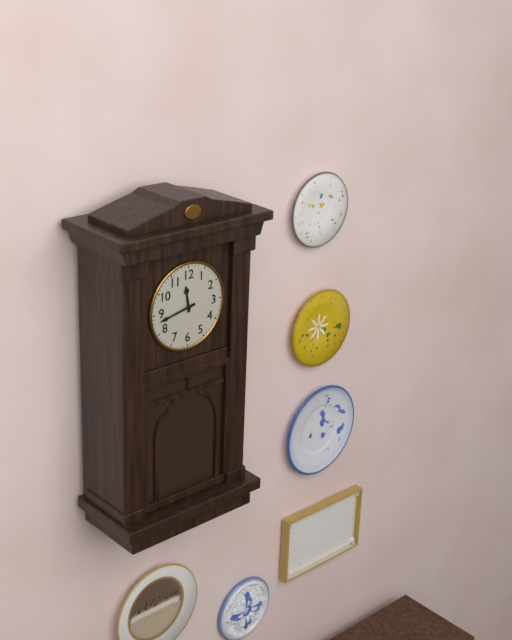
{"hour": 11, "minute": 43}
